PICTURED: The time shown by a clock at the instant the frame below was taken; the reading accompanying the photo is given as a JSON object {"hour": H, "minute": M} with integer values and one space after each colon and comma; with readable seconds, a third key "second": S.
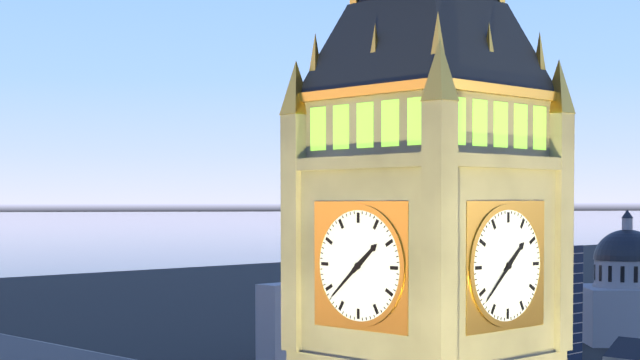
{"hour": 1, "minute": 38}
